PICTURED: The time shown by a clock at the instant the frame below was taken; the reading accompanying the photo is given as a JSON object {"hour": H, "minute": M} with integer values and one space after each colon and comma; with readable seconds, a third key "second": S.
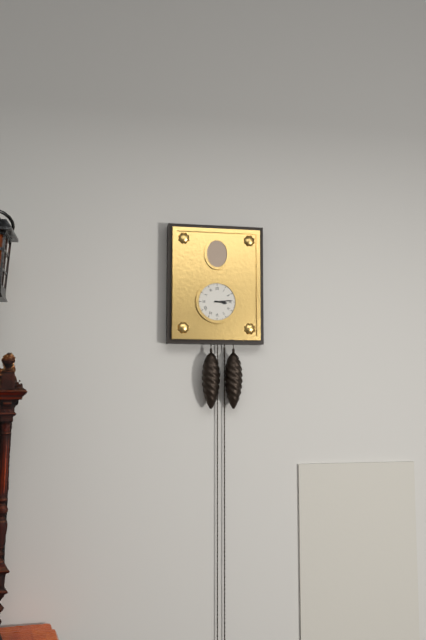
{"hour": 3, "minute": 14}
